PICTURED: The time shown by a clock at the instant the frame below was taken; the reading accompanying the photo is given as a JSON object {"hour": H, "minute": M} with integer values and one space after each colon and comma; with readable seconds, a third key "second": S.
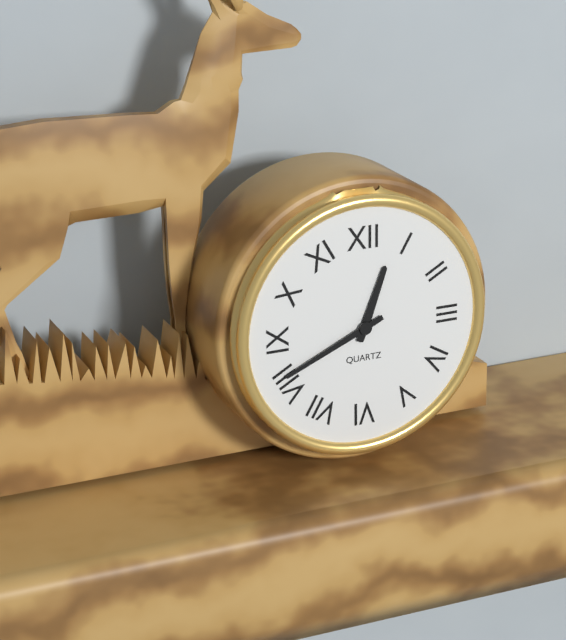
{"hour": 12, "minute": 41}
